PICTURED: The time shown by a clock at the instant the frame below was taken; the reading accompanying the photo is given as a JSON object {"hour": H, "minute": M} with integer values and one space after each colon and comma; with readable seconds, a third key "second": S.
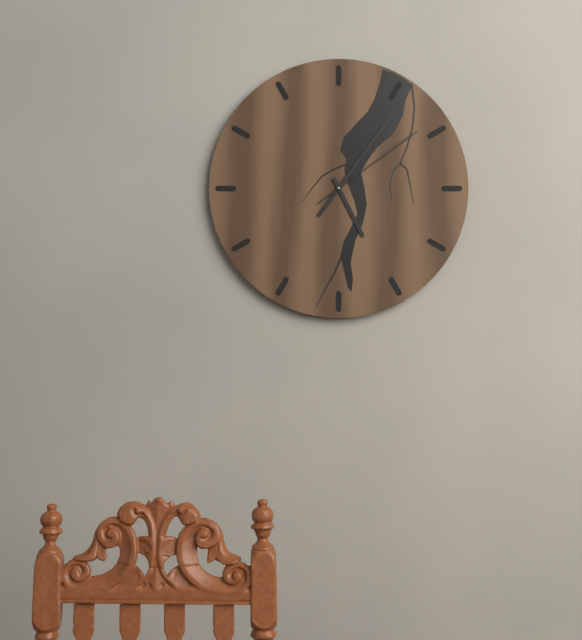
{"hour": 5, "minute": 6, "second": 9}
